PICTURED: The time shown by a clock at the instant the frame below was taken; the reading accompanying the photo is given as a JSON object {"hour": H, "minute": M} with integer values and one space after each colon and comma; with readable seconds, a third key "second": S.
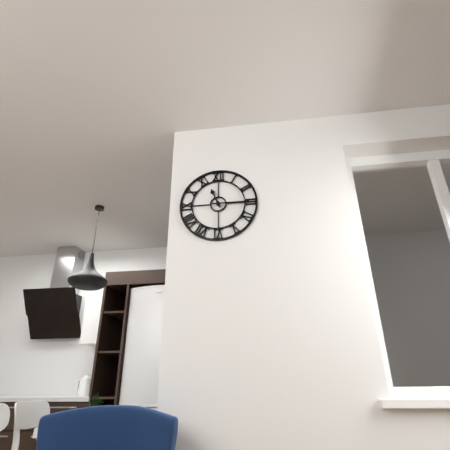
{"hour": 11, "minute": 15}
